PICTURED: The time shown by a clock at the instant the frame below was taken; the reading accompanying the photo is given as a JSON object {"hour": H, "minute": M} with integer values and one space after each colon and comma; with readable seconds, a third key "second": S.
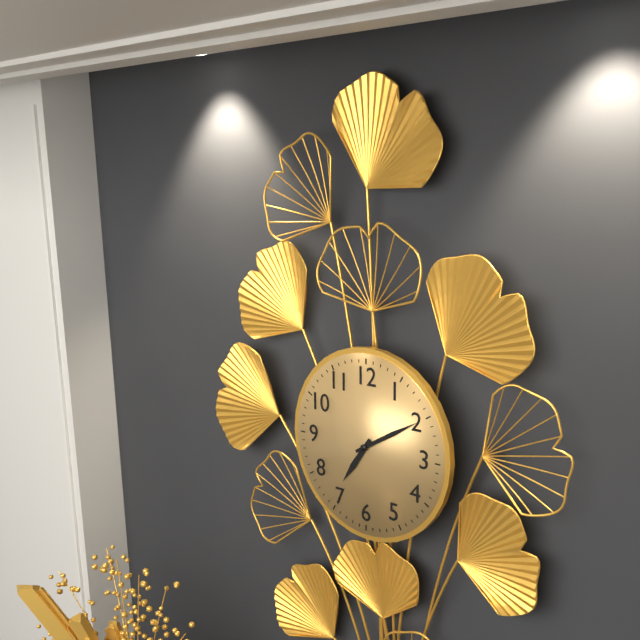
{"hour": 7, "minute": 10}
